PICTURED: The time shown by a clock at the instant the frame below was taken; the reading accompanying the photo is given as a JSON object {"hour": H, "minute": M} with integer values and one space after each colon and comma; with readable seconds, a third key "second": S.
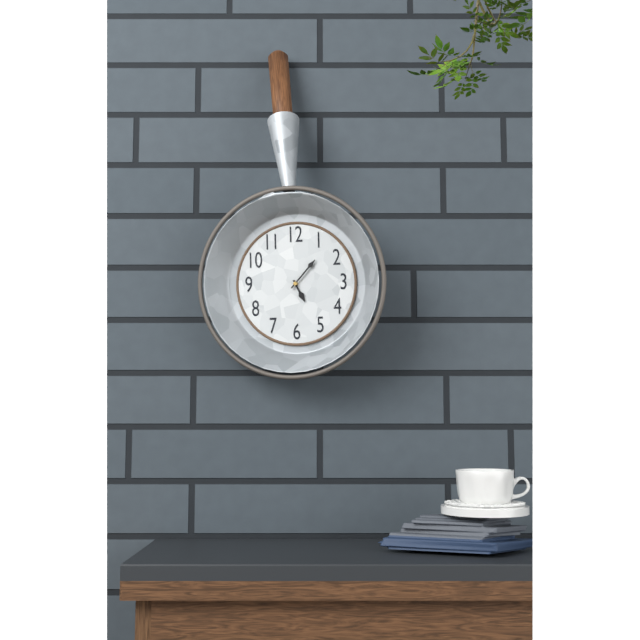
{"hour": 5, "minute": 7}
